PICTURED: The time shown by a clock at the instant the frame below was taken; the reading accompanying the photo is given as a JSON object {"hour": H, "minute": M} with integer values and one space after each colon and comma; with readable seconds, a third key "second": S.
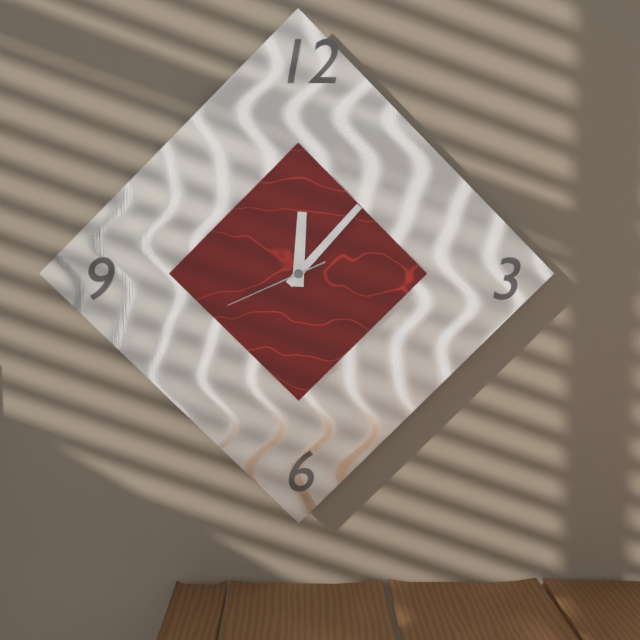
{"hour": 12, "minute": 7, "second": 41}
